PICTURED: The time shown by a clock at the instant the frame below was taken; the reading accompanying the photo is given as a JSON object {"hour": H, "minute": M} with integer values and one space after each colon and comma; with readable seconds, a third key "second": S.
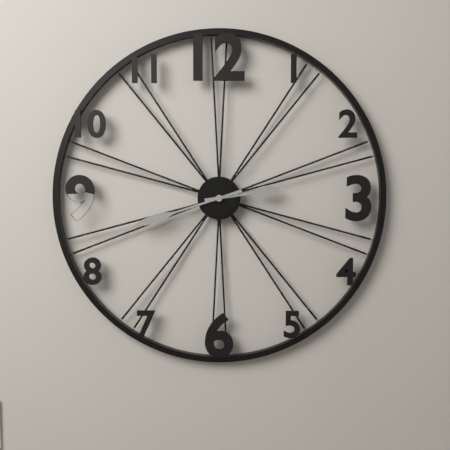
{"hour": 2, "minute": 42}
